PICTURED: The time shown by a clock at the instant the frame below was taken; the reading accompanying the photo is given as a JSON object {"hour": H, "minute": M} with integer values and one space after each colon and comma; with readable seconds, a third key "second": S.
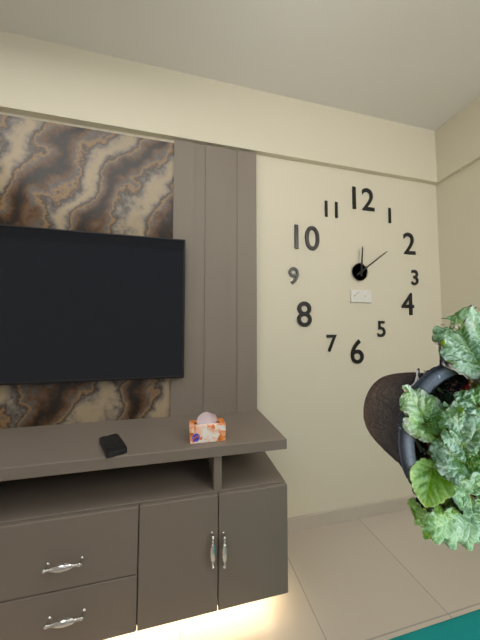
{"hour": 12, "minute": 9}
